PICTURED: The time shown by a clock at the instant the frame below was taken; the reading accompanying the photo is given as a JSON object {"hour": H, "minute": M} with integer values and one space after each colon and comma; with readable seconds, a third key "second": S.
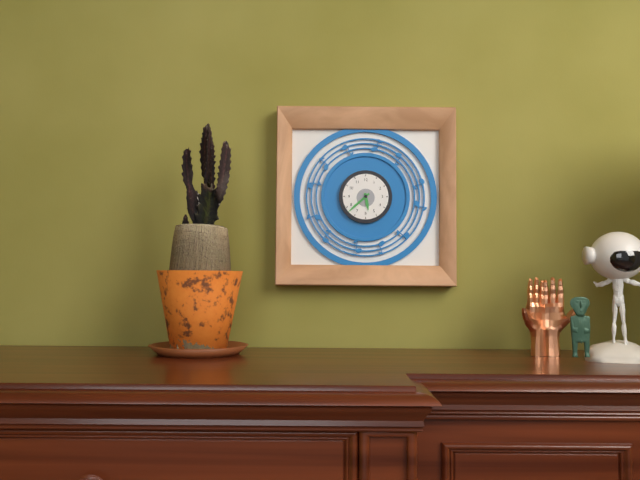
{"hour": 5, "minute": 38}
